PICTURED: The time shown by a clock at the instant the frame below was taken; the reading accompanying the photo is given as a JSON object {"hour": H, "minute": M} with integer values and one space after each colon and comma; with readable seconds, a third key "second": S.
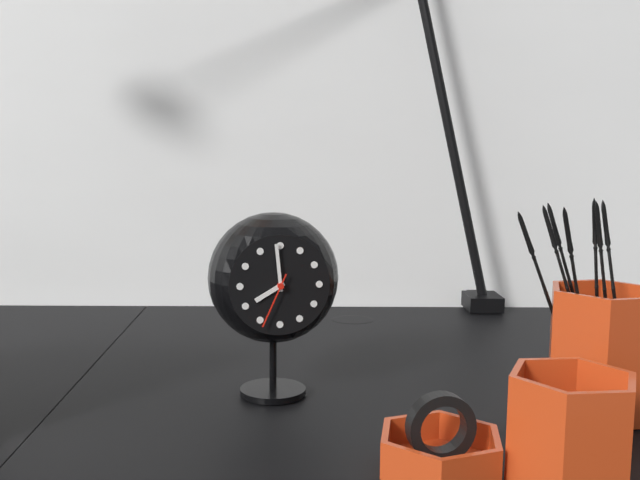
{"hour": 7, "minute": 59, "second": 34}
